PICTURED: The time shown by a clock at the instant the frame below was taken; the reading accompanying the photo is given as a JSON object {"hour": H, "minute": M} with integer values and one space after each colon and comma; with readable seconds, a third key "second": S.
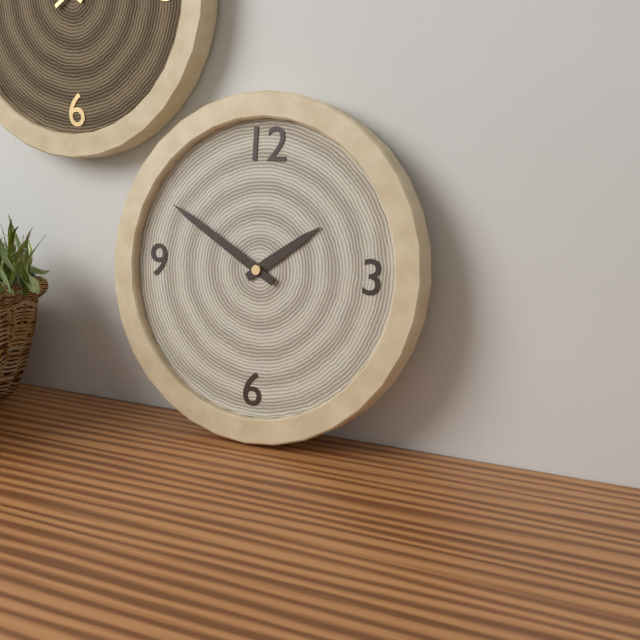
{"hour": 1, "minute": 50}
